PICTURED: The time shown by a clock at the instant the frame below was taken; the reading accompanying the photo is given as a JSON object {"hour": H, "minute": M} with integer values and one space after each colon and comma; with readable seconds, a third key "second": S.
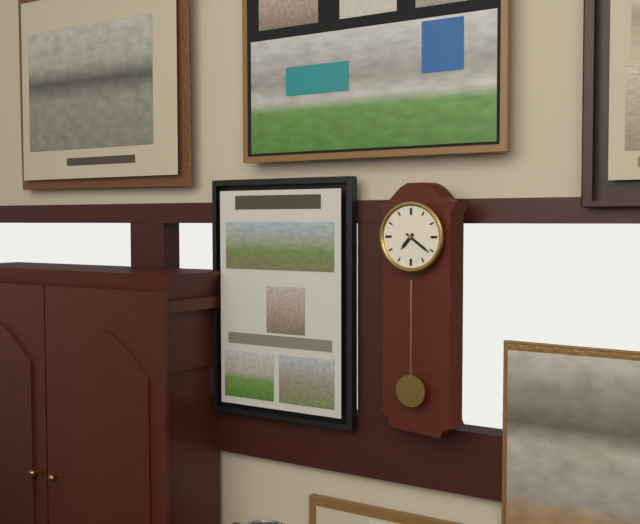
{"hour": 7, "minute": 21}
